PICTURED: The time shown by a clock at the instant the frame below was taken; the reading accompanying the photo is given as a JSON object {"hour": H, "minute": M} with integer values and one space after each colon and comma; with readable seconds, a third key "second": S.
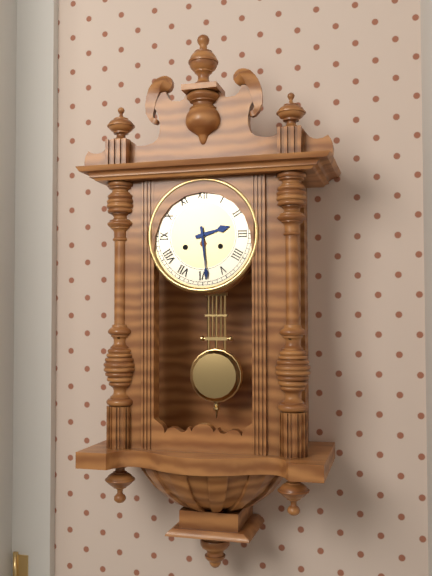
{"hour": 2, "minute": 29}
